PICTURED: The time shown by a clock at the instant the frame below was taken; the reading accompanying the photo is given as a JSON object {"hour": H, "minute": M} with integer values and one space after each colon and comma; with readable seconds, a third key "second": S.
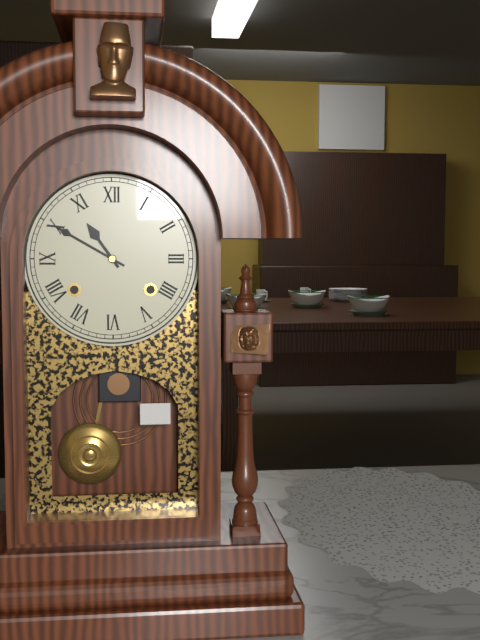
{"hour": 10, "minute": 50}
